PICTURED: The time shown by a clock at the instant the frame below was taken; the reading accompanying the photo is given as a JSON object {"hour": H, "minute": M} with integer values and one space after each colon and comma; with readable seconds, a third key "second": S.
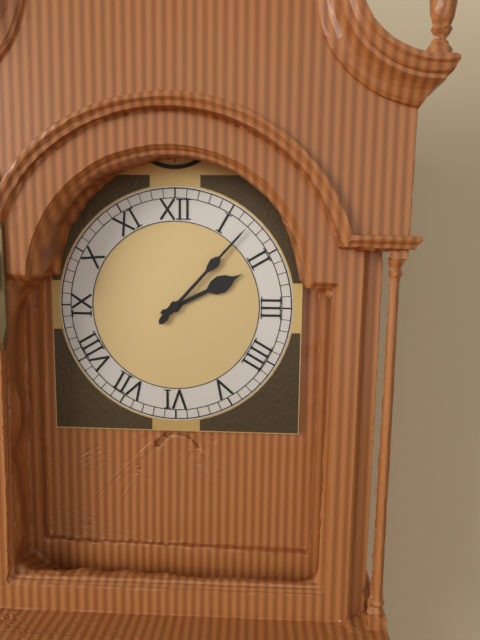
{"hour": 2, "minute": 7}
